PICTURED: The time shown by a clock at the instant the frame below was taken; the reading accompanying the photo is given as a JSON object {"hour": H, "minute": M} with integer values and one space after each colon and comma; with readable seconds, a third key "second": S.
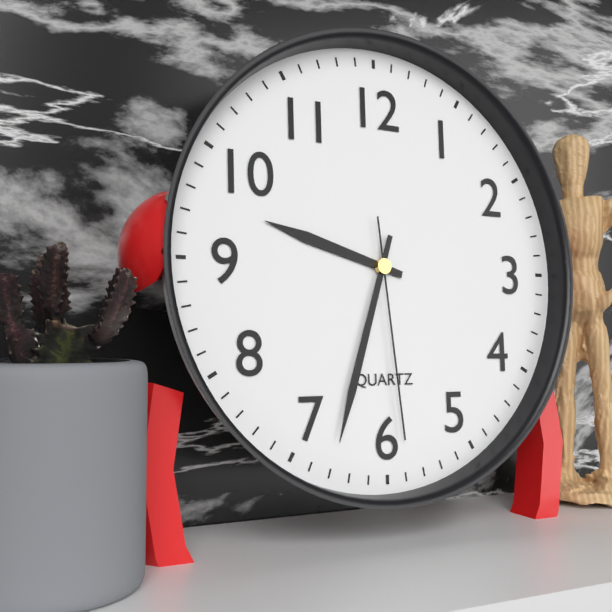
{"hour": 9, "minute": 33, "second": 29}
